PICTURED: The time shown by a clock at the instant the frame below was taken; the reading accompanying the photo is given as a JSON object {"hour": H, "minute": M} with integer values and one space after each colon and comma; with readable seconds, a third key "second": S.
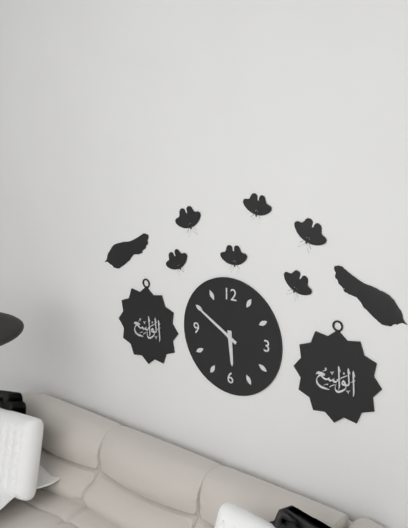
{"hour": 5, "minute": 50}
